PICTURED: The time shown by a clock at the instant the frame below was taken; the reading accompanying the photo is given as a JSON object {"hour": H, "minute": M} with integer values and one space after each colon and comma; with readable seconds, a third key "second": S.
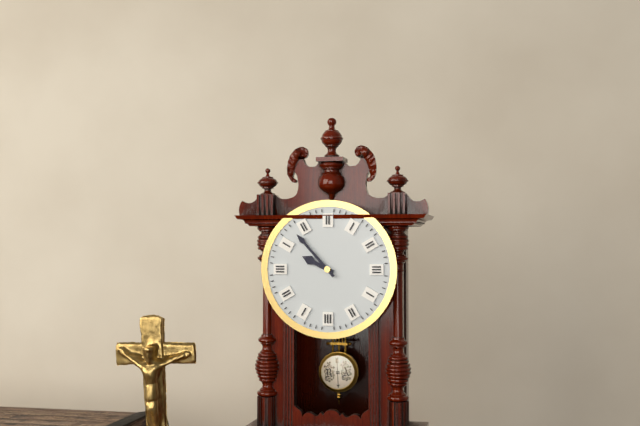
{"hour": 9, "minute": 53}
